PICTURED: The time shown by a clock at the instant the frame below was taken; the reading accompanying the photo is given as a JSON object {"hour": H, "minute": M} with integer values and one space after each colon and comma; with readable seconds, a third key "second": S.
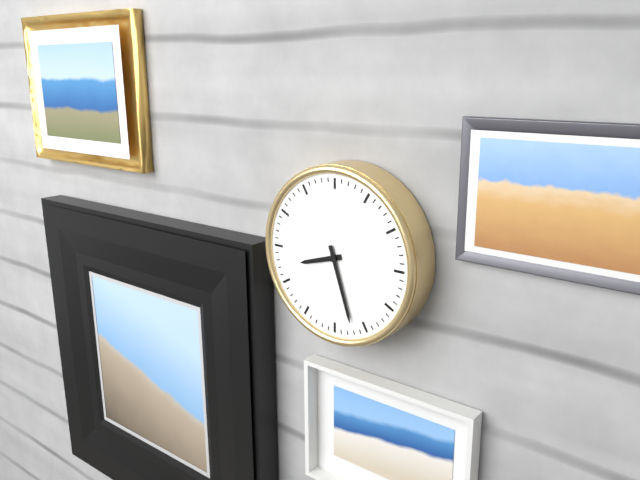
{"hour": 8, "minute": 27}
